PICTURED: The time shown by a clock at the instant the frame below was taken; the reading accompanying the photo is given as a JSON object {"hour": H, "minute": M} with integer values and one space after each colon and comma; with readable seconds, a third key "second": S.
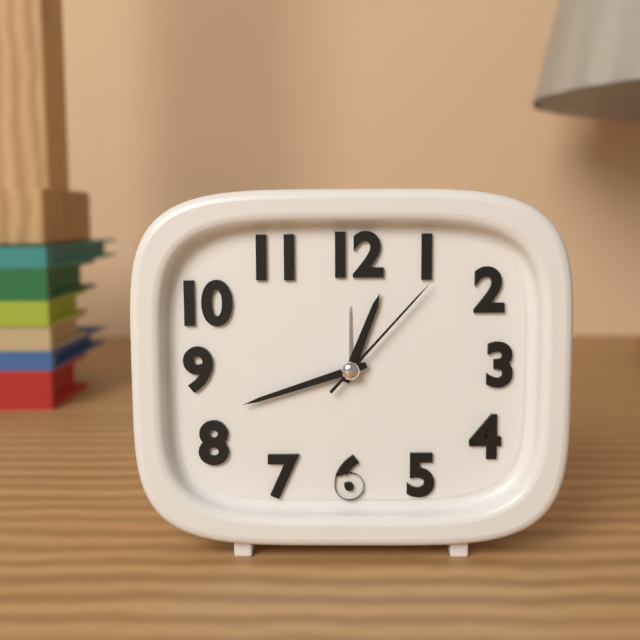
{"hour": 12, "minute": 42, "second": 7}
